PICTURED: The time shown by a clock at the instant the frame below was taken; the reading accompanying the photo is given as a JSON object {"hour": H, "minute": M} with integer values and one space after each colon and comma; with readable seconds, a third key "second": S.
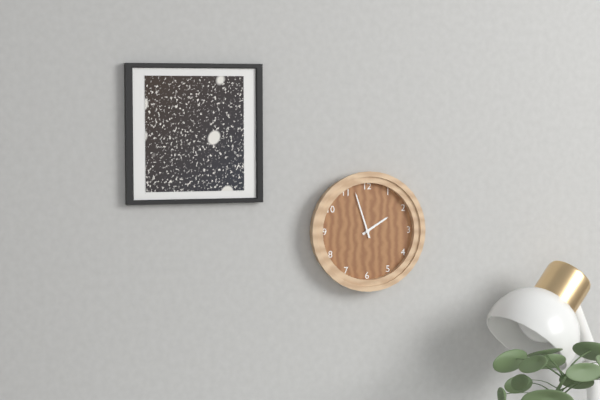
{"hour": 1, "minute": 57}
